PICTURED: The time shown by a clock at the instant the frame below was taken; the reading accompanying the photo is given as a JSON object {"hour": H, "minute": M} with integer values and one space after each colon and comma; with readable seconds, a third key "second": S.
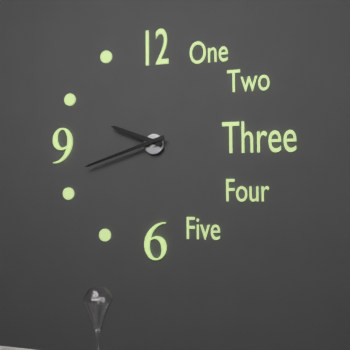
{"hour": 9, "minute": 42}
